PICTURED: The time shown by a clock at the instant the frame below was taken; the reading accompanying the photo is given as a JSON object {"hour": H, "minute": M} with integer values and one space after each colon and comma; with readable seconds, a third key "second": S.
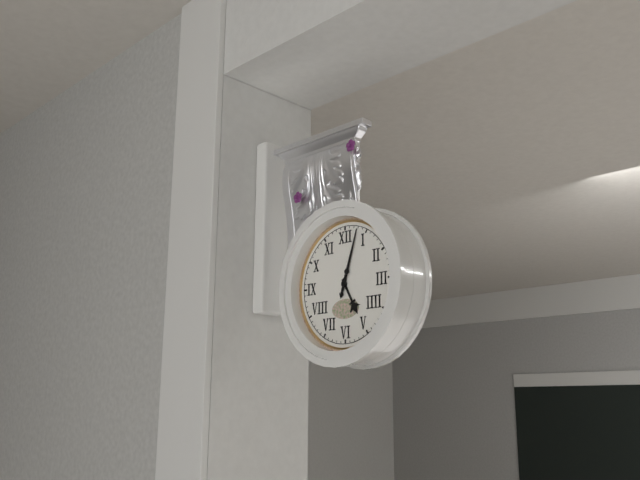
{"hour": 5, "minute": 3}
